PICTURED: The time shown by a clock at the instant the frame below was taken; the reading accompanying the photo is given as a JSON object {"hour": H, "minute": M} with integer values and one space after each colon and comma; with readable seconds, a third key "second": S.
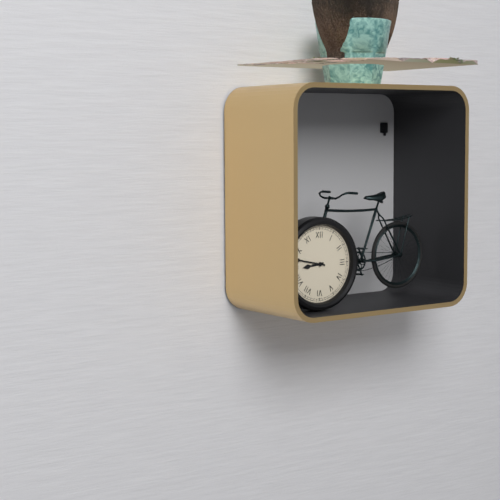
{"hour": 8, "minute": 47}
